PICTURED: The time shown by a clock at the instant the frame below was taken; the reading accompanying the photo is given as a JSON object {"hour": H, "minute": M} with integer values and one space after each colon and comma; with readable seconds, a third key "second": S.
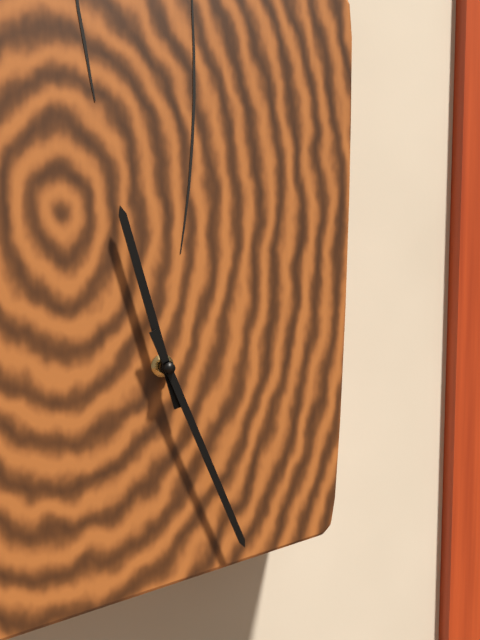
{"hour": 11, "minute": 26}
